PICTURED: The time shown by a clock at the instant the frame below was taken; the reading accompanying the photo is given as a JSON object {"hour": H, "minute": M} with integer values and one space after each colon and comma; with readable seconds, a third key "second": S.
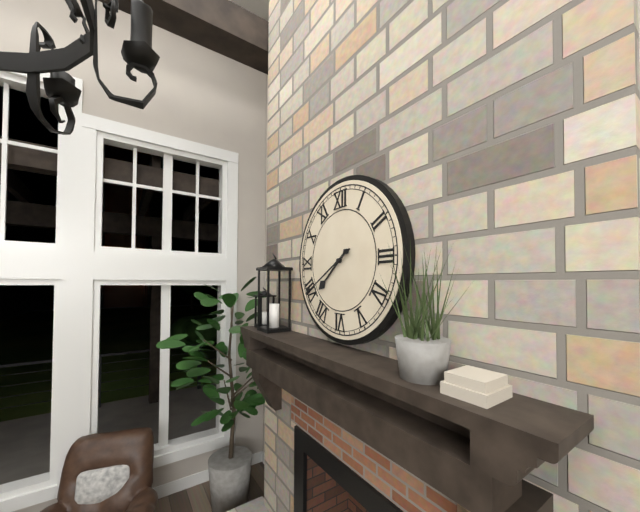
{"hour": 7, "minute": 40}
